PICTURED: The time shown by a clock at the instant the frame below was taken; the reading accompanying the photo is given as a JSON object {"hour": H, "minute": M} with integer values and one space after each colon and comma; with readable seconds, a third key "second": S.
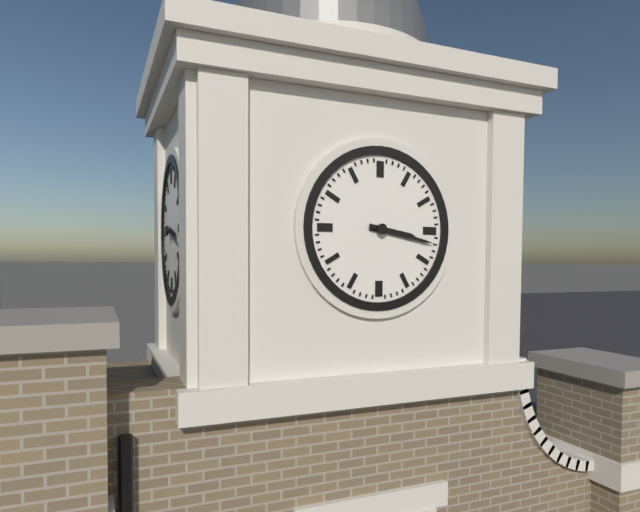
{"hour": 3, "minute": 17}
